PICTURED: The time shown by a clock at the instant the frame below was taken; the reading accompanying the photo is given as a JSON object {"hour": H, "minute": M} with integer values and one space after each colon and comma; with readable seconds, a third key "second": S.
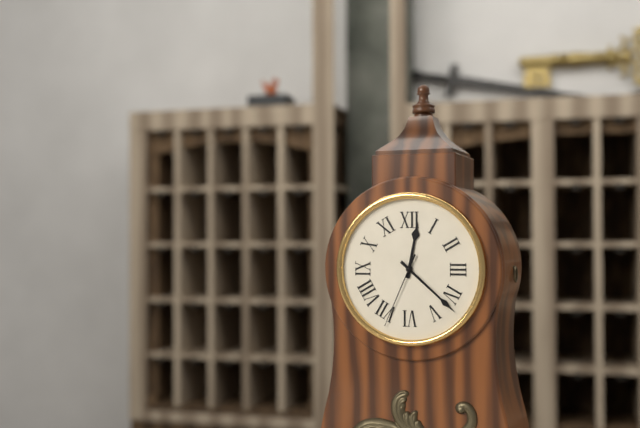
{"hour": 12, "minute": 22, "second": 34}
